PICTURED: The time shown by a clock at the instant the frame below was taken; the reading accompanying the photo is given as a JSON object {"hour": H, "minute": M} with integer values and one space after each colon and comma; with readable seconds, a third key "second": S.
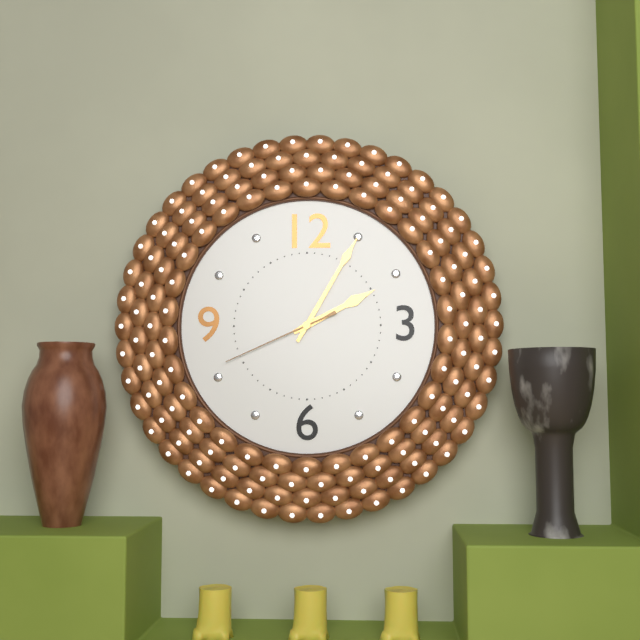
{"hour": 2, "minute": 5, "second": 41}
